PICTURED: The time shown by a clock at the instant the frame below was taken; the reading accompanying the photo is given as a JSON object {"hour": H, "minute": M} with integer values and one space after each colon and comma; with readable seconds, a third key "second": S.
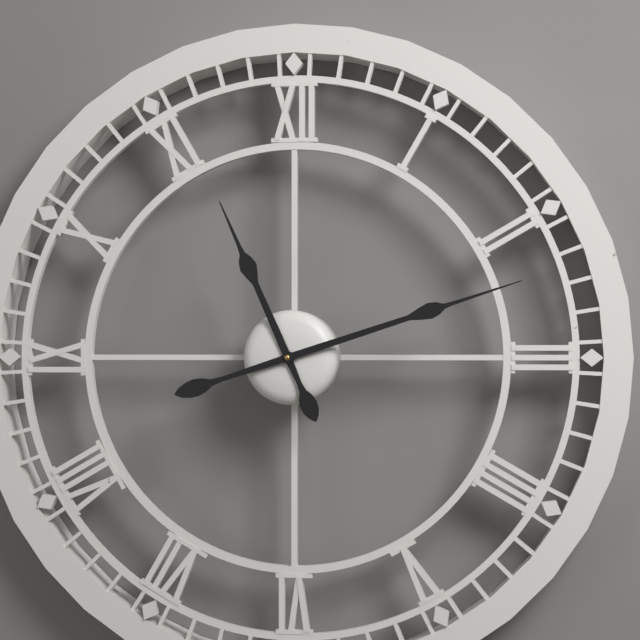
{"hour": 11, "minute": 12}
